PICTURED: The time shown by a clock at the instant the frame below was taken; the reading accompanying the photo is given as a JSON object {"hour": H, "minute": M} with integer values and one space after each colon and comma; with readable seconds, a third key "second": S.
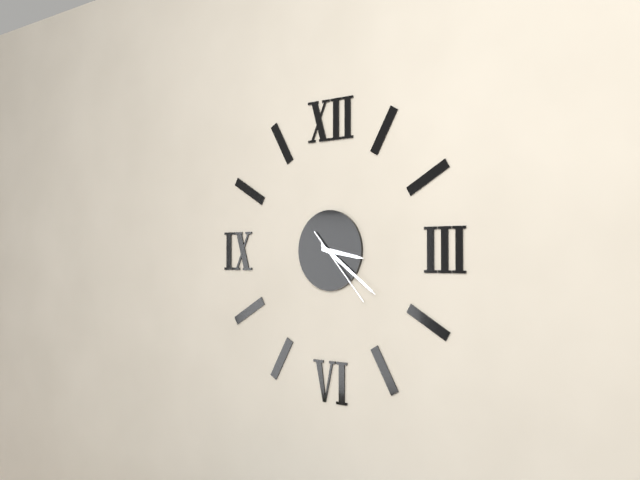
{"hour": 3, "minute": 21, "second": 23}
